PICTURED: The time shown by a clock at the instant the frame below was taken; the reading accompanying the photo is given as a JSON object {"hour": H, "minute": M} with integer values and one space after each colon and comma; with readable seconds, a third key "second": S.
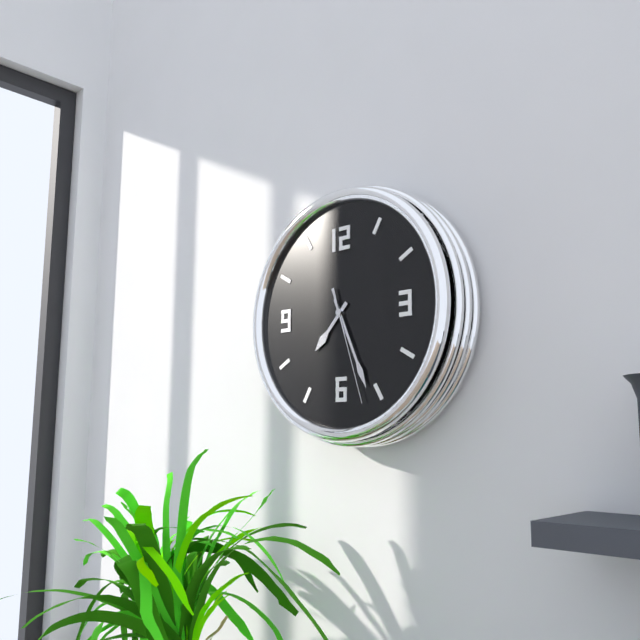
{"hour": 7, "minute": 26, "second": 27}
